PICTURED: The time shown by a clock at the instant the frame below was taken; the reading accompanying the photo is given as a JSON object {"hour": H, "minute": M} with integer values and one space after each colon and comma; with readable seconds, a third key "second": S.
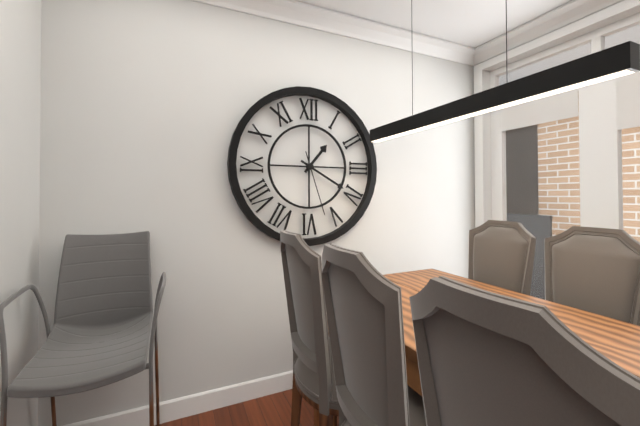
{"hour": 1, "minute": 20, "second": 27}
